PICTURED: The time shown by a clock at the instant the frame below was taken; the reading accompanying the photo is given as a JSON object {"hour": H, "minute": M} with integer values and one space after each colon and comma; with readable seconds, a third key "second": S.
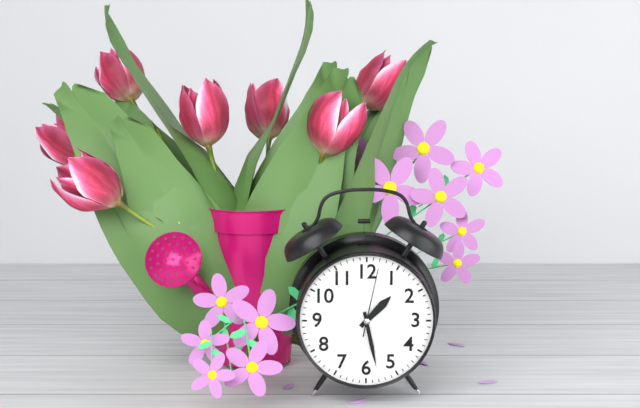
{"hour": 1, "minute": 28, "second": 2}
